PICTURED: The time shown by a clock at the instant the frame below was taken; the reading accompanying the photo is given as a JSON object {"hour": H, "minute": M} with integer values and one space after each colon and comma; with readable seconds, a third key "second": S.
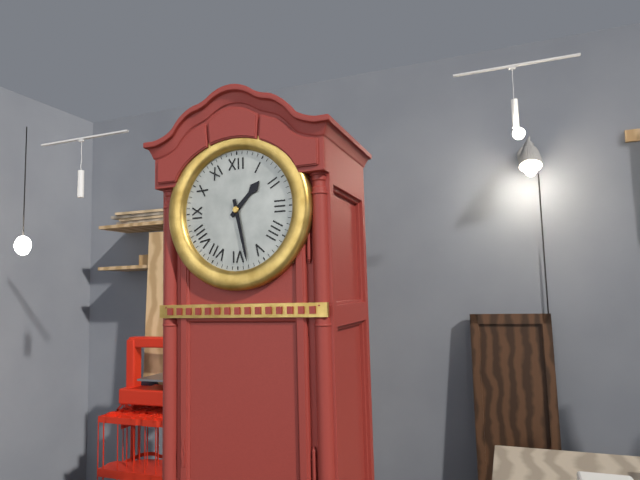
{"hour": 1, "minute": 28}
